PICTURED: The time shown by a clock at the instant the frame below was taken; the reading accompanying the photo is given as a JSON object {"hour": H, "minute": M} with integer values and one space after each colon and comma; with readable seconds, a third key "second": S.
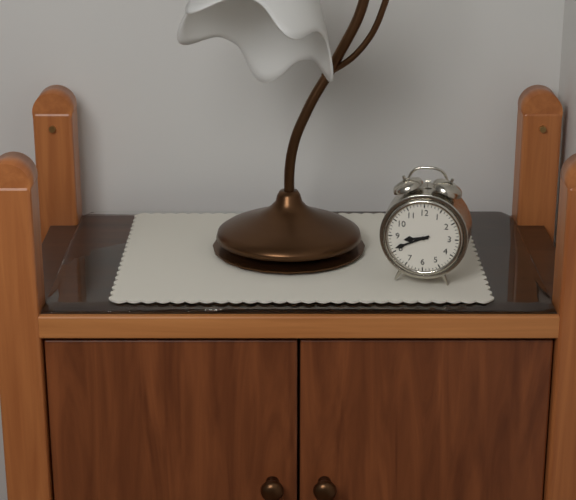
{"hour": 8, "minute": 41}
